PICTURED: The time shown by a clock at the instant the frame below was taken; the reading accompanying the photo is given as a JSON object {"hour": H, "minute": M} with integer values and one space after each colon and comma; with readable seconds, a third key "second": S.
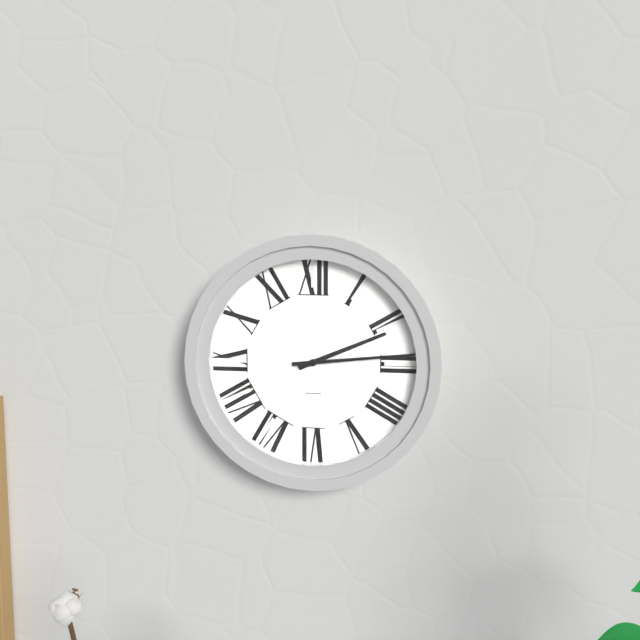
{"hour": 2, "minute": 14}
